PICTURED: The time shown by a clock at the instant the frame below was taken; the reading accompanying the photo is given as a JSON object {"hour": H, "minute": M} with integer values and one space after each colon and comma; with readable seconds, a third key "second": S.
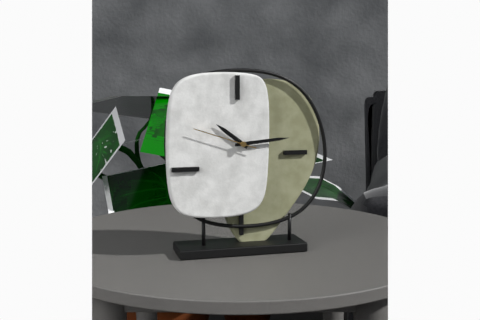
{"hour": 10, "minute": 14, "second": 48}
